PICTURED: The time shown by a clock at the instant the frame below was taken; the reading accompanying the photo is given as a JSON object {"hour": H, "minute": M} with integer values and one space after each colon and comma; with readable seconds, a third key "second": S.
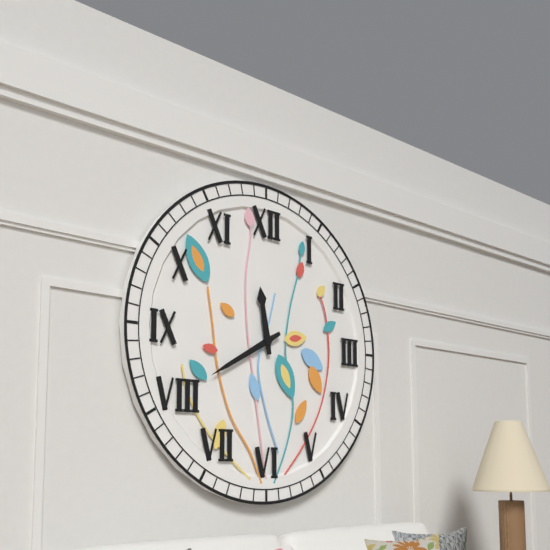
{"hour": 11, "minute": 40}
